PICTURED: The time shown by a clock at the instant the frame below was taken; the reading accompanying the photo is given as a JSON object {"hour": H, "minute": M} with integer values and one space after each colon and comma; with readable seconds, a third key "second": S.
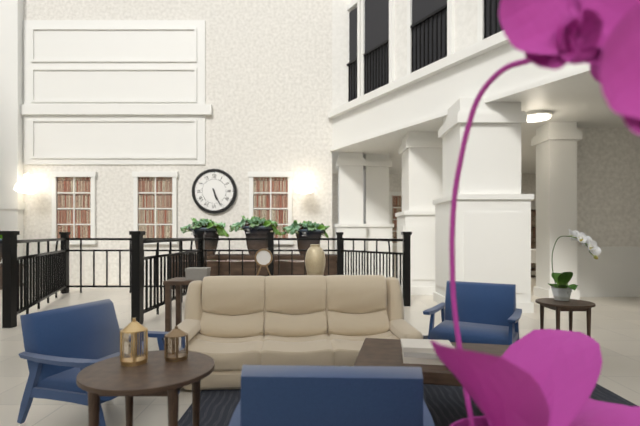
{"hour": 5, "minute": 26}
